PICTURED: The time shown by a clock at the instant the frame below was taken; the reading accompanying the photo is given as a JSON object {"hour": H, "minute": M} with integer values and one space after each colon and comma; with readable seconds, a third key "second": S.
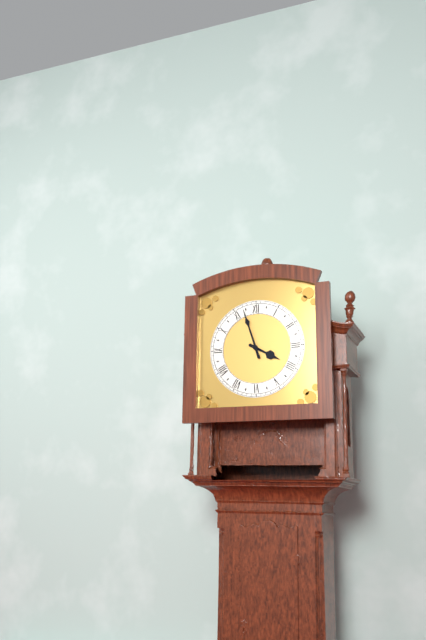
{"hour": 3, "minute": 57}
